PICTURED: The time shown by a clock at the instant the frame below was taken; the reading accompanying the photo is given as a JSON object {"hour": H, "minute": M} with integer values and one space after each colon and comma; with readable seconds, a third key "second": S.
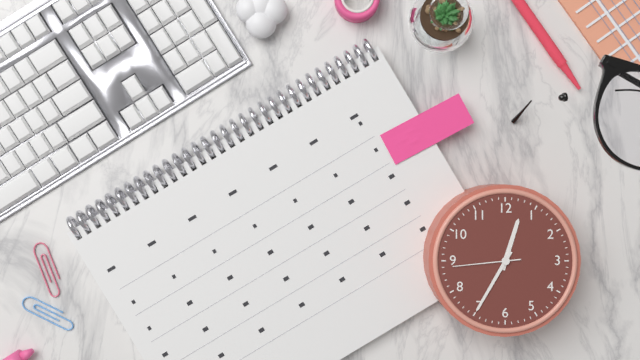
{"hour": 12, "minute": 35, "second": 44}
